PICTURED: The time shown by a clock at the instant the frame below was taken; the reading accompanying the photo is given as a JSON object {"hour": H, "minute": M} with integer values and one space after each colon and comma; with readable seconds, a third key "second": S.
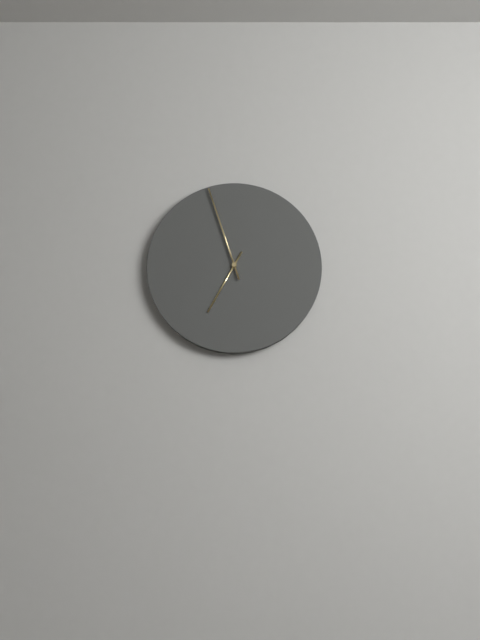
{"hour": 6, "minute": 57}
